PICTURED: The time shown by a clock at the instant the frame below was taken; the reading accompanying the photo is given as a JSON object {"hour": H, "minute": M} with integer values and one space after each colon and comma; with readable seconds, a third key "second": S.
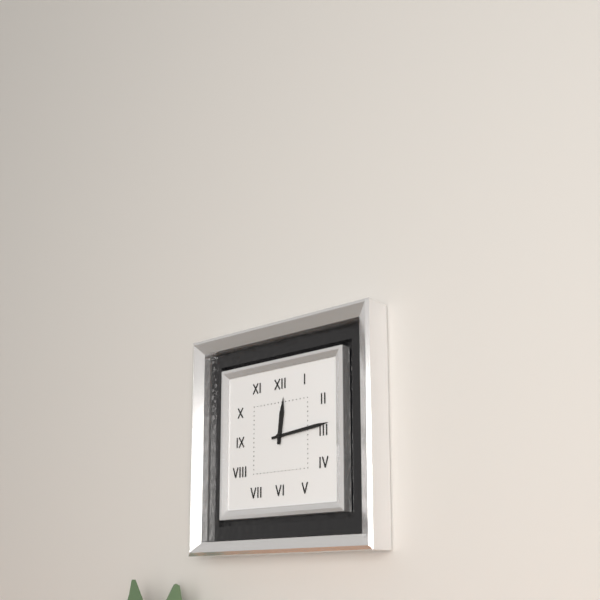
{"hour": 12, "minute": 14}
